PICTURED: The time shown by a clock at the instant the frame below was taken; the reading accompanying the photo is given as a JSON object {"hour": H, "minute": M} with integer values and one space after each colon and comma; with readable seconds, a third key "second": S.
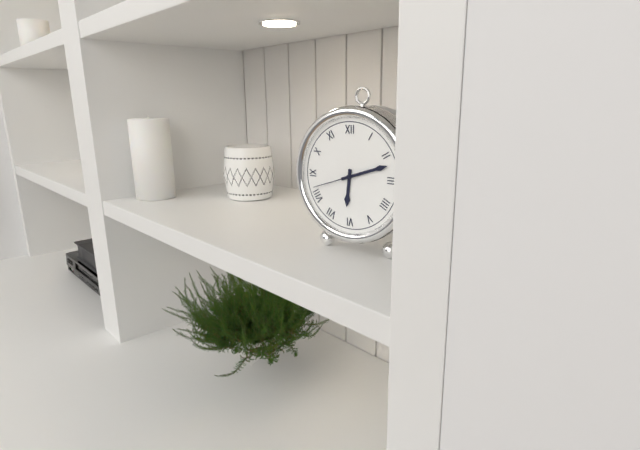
{"hour": 6, "minute": 12, "second": 42}
